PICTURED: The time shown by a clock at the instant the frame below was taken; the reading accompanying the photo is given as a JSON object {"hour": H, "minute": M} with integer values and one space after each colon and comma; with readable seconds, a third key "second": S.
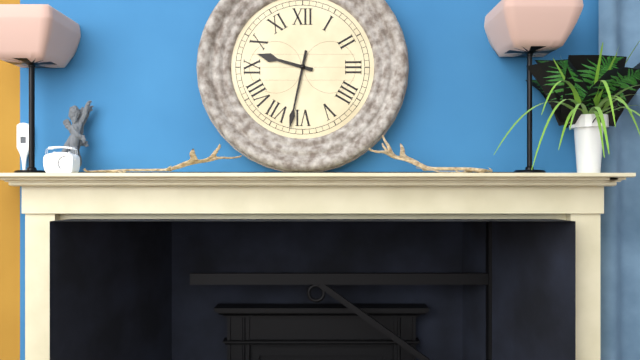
{"hour": 9, "minute": 32}
